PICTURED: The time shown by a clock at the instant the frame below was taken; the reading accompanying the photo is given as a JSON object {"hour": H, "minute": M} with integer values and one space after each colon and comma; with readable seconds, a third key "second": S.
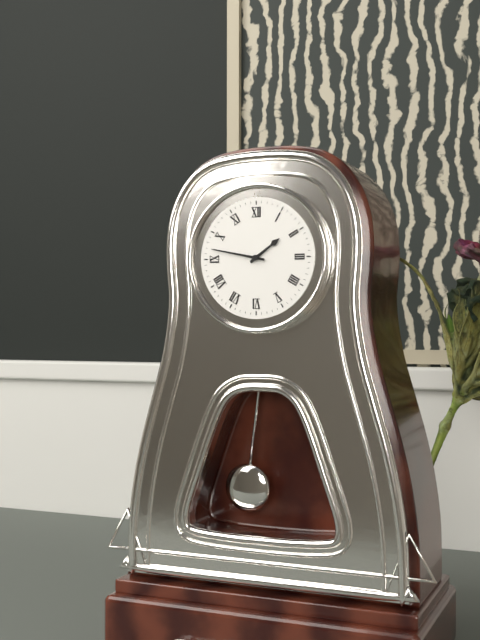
{"hour": 1, "minute": 47}
